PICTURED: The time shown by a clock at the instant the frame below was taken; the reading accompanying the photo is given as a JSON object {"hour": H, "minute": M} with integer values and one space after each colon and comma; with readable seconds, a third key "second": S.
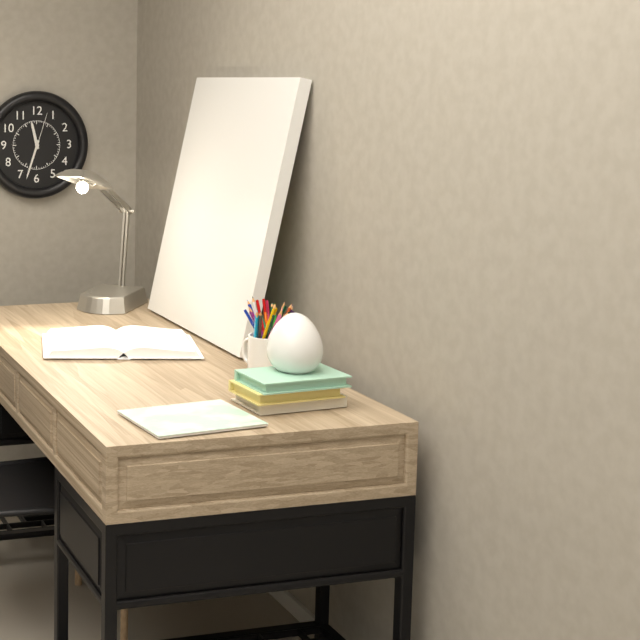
{"hour": 11, "minute": 33}
